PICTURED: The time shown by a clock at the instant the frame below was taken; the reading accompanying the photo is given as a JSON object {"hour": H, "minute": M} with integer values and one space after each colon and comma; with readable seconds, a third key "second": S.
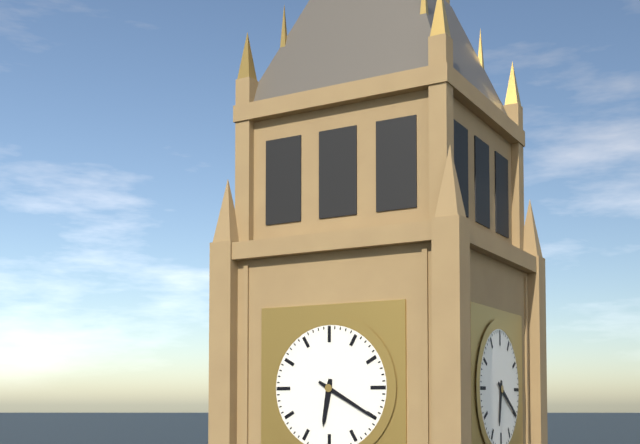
{"hour": 6, "minute": 20}
